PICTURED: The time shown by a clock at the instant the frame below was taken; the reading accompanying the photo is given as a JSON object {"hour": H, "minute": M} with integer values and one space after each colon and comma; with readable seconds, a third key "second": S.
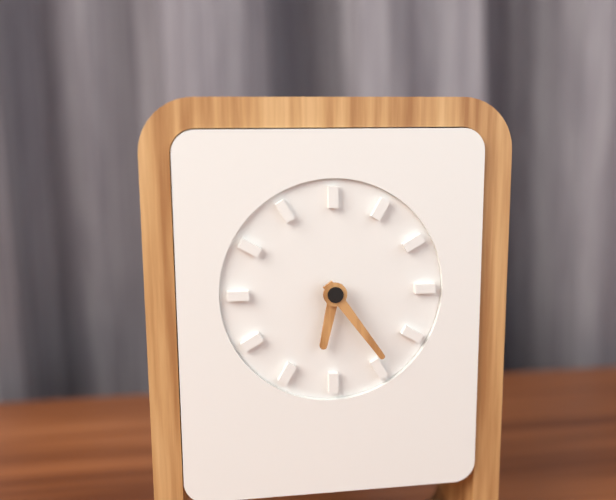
{"hour": 6, "minute": 24}
